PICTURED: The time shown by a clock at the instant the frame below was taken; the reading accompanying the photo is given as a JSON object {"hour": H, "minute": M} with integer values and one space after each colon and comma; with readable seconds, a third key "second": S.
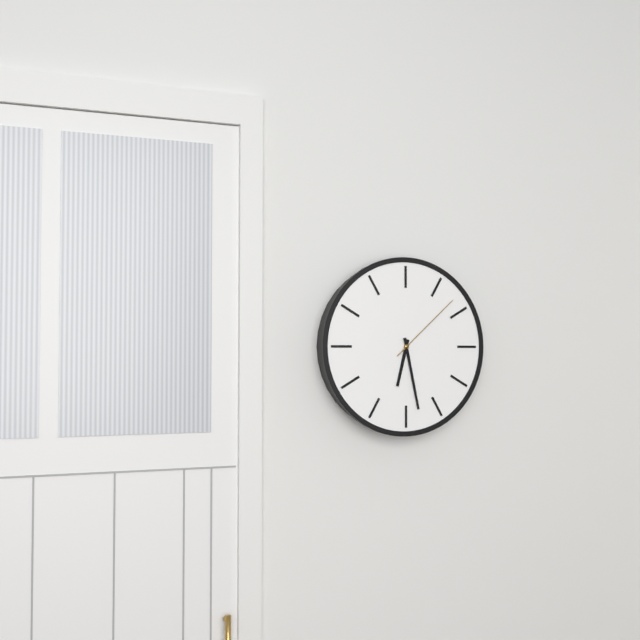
{"hour": 6, "minute": 28, "second": 8}
